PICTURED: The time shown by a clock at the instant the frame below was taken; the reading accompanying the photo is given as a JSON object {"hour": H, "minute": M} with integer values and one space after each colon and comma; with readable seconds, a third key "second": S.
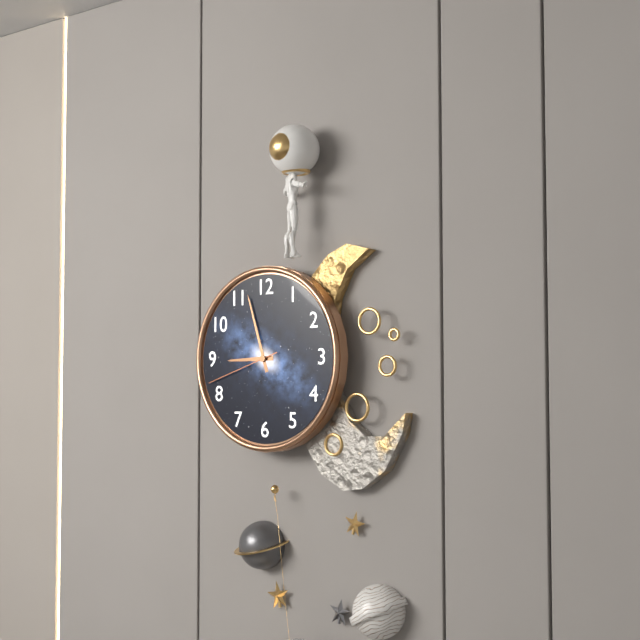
{"hour": 8, "minute": 57, "second": 42}
